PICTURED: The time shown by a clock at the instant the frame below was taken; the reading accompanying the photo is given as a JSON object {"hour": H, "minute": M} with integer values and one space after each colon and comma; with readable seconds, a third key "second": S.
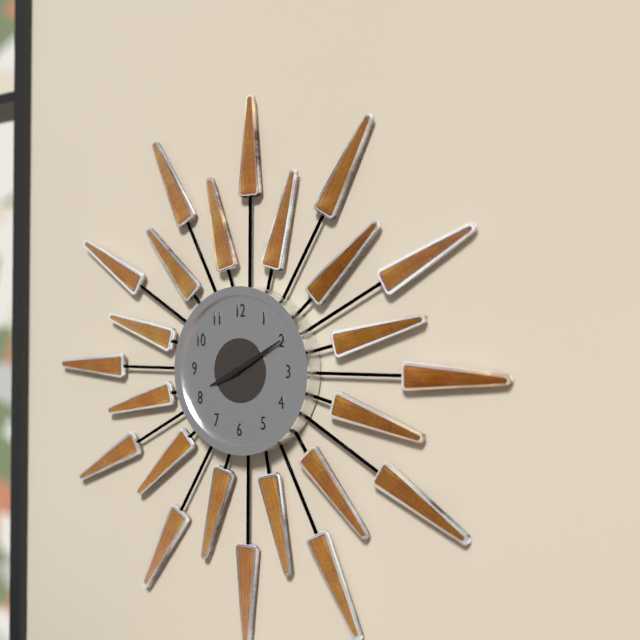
{"hour": 8, "minute": 10}
